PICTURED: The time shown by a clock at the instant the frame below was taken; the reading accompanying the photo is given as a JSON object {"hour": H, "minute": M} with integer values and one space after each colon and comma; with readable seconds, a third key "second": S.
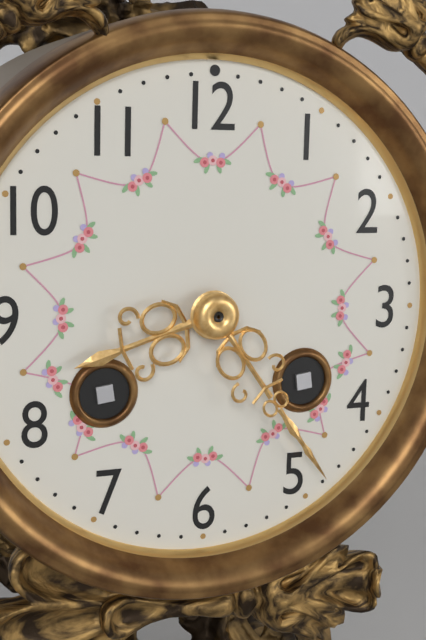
{"hour": 8, "minute": 24}
